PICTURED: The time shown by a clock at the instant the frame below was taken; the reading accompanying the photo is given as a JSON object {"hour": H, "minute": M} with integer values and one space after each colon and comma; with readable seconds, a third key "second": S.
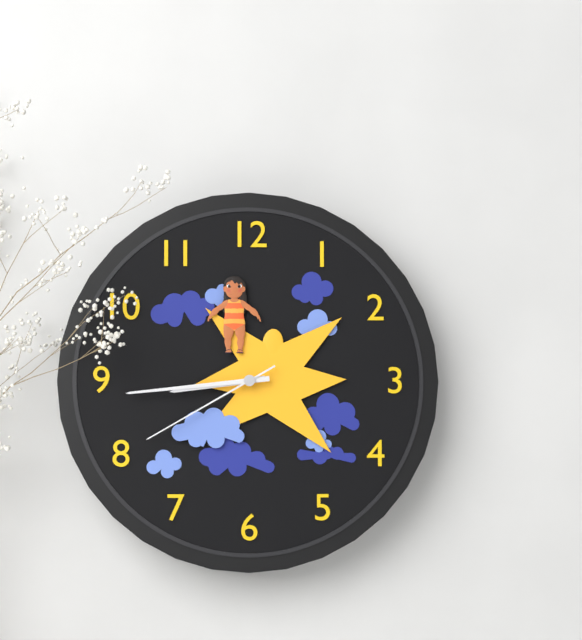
{"hour": 8, "minute": 44, "second": 40}
